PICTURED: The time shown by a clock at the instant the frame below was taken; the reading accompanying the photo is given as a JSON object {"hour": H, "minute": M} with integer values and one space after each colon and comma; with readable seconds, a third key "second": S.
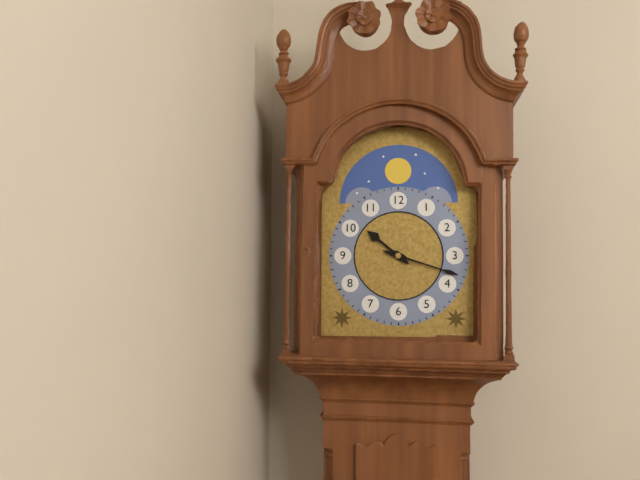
{"hour": 10, "minute": 18}
